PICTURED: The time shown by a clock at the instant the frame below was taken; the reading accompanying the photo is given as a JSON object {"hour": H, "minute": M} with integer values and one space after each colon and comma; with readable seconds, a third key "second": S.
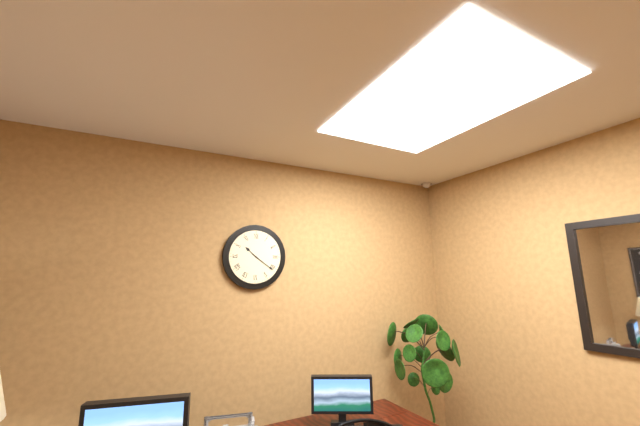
{"hour": 10, "minute": 21}
